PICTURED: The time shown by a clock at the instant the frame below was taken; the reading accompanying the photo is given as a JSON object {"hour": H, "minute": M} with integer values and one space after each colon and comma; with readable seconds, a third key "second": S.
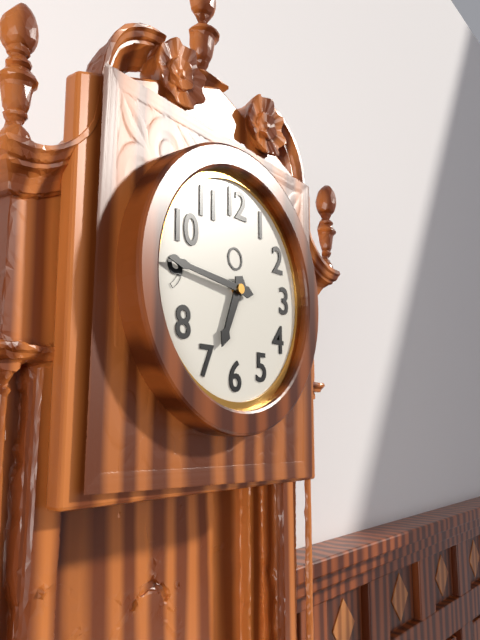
{"hour": 6, "minute": 46}
